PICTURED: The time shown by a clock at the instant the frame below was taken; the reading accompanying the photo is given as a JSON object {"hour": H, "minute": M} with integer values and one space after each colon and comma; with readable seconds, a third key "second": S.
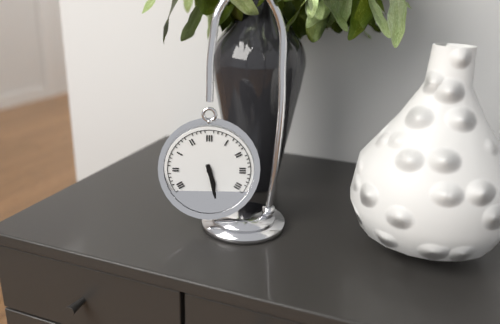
{"hour": 5, "minute": 28}
